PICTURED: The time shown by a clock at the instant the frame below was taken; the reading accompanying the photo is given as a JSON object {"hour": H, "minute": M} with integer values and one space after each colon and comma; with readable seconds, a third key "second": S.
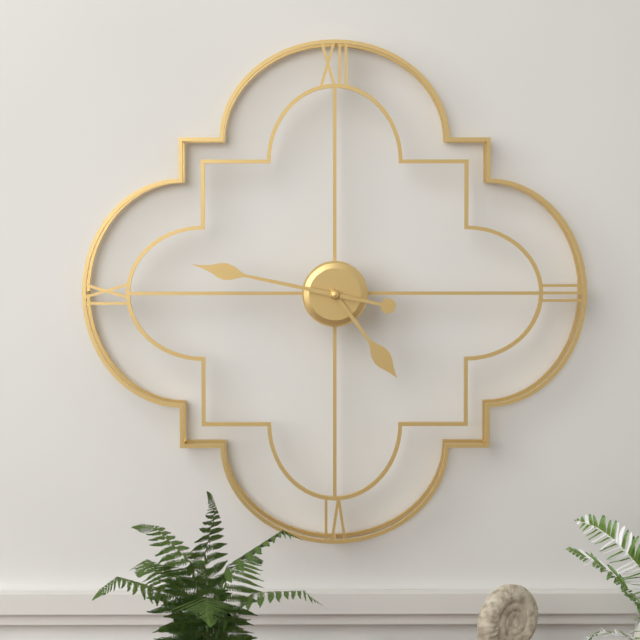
{"hour": 4, "minute": 47}
